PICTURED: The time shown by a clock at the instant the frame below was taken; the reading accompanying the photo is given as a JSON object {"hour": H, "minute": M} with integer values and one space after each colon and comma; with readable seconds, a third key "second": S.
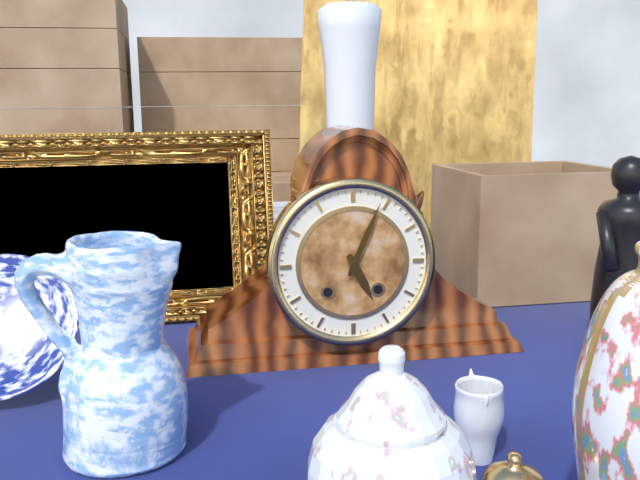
{"hour": 5, "minute": 4}
